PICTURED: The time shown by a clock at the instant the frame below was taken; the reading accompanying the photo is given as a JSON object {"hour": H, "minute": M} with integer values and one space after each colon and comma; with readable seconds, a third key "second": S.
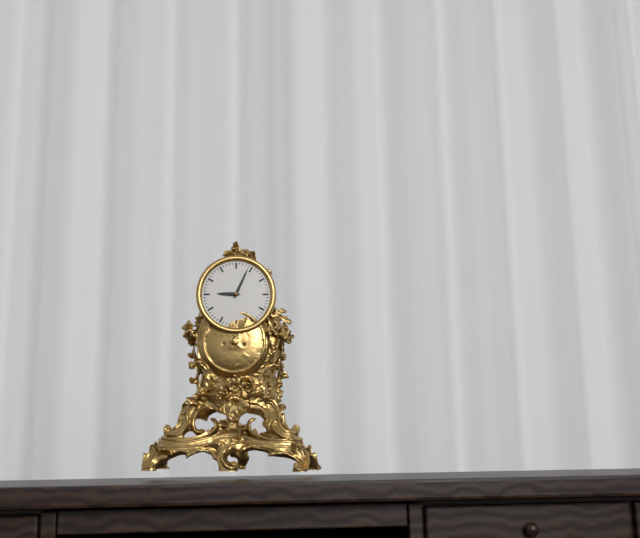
{"hour": 9, "minute": 4}
